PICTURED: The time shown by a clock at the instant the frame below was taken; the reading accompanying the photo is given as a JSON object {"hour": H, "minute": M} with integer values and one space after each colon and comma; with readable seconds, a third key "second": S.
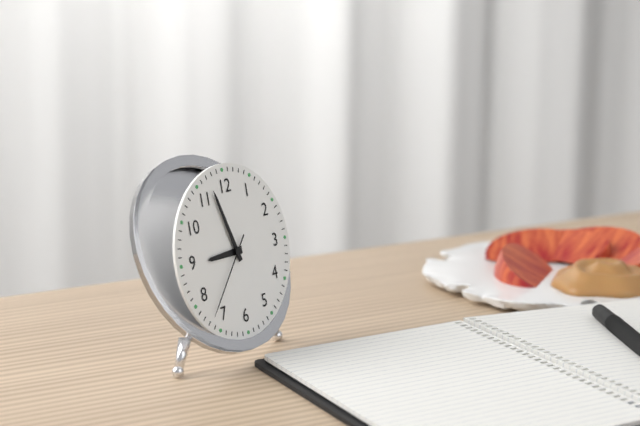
{"hour": 8, "minute": 57, "second": 37}
